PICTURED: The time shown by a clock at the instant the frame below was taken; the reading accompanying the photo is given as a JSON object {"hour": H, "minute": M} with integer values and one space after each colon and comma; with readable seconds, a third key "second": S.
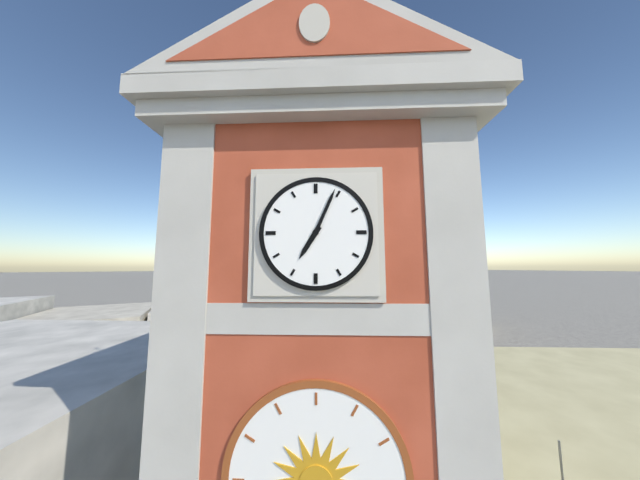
{"hour": 7, "minute": 4}
